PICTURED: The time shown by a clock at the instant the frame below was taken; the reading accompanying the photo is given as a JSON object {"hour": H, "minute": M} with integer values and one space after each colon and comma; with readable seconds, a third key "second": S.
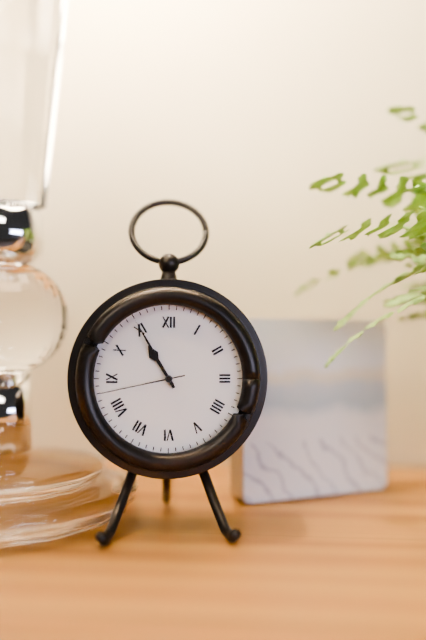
{"hour": 10, "minute": 55, "second": 43}
